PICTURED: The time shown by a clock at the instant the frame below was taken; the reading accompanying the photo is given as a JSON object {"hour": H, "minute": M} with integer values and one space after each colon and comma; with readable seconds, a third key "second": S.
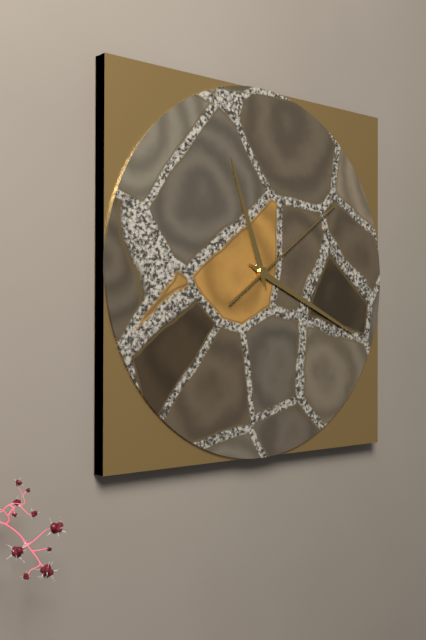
{"hour": 11, "minute": 19, "second": 9}
